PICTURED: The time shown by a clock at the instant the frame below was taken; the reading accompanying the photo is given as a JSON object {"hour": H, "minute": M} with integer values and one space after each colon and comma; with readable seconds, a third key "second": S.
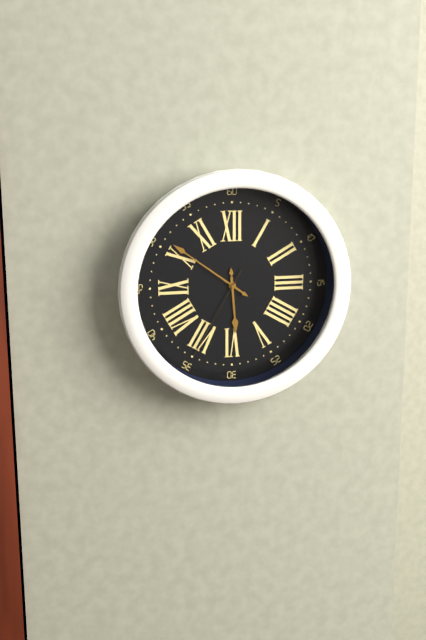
{"hour": 5, "minute": 51, "second": 35}
